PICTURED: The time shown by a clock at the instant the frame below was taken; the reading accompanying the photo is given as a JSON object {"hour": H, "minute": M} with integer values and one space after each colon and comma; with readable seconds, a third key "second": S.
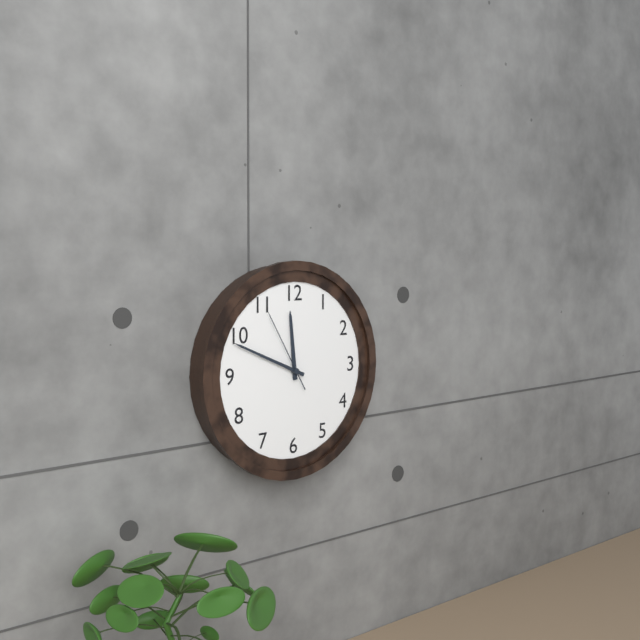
{"hour": 11, "minute": 49, "second": 55}
